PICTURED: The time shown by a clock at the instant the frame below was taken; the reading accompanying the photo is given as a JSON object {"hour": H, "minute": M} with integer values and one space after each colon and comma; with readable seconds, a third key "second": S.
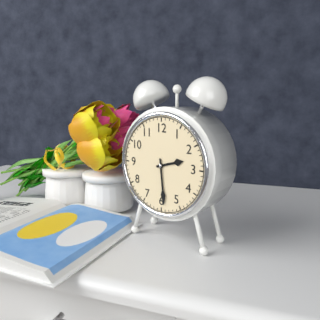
{"hour": 2, "minute": 29}
